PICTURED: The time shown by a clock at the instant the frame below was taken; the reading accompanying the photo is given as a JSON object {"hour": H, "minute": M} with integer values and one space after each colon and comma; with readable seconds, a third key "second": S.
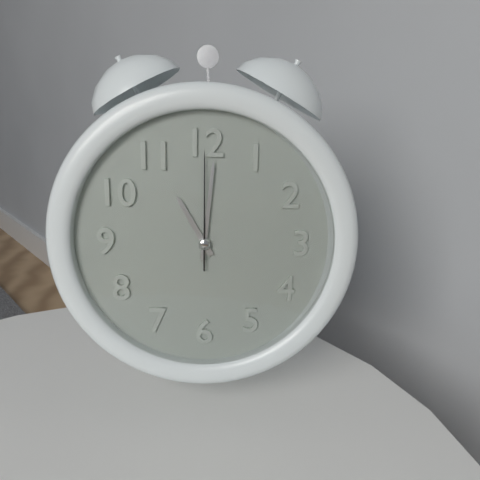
{"hour": 11, "minute": 1, "second": 0}
